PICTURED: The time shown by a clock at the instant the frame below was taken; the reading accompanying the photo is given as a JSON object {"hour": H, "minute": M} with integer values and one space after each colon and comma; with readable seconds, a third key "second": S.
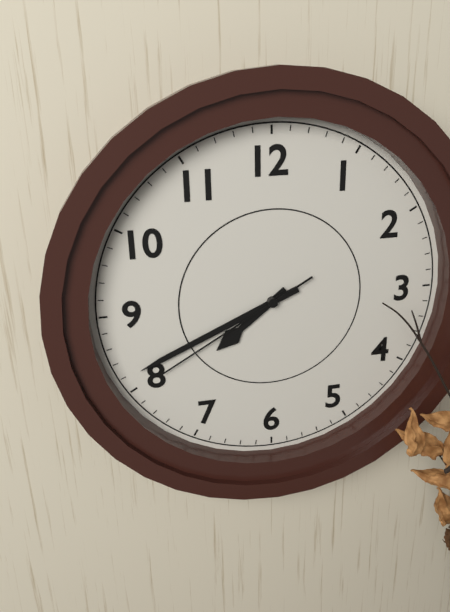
{"hour": 7, "minute": 41, "second": 40}
